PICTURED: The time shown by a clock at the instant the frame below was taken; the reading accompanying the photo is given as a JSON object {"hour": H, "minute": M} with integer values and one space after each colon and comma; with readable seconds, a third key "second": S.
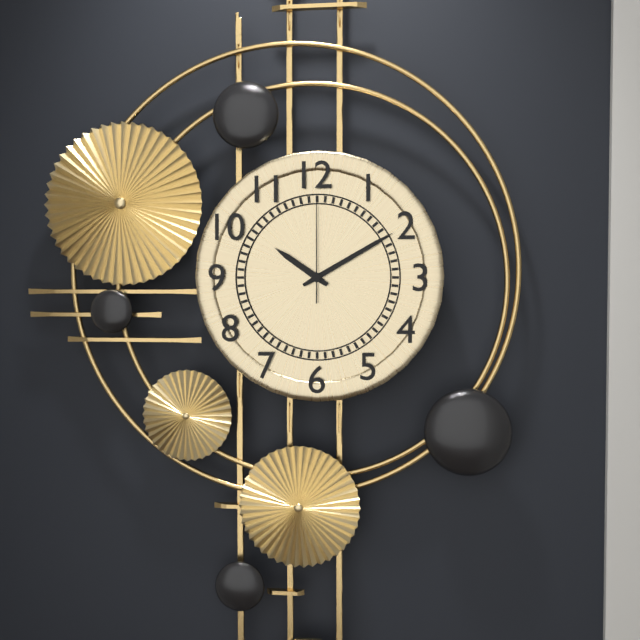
{"hour": 10, "minute": 10, "second": 0}
